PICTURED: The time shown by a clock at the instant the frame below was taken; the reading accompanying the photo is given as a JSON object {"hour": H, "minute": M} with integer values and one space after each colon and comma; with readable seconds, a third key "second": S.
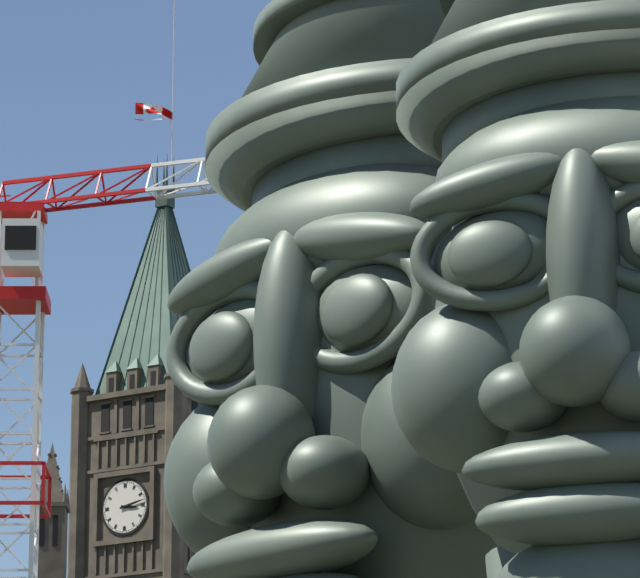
{"hour": 3, "minute": 13}
